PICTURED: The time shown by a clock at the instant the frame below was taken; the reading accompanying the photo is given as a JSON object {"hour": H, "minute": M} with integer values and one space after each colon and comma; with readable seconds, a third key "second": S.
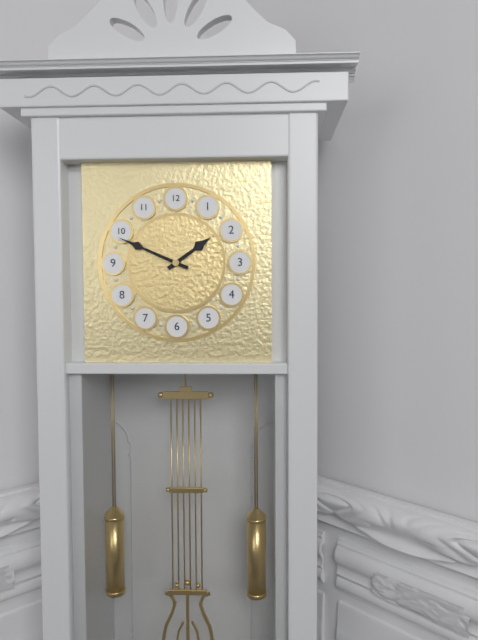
{"hour": 1, "minute": 49}
